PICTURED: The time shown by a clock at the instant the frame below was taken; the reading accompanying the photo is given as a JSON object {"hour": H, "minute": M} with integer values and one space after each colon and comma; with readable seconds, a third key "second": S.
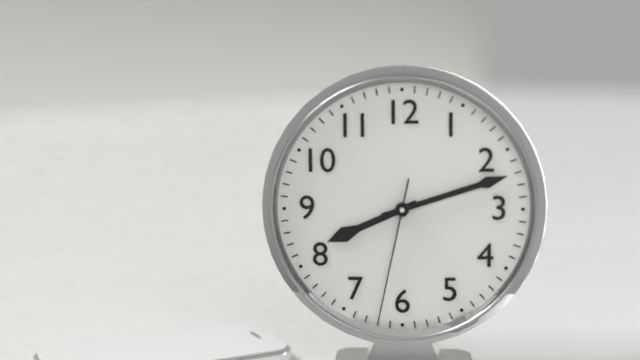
{"hour": 8, "minute": 12, "second": 32}
